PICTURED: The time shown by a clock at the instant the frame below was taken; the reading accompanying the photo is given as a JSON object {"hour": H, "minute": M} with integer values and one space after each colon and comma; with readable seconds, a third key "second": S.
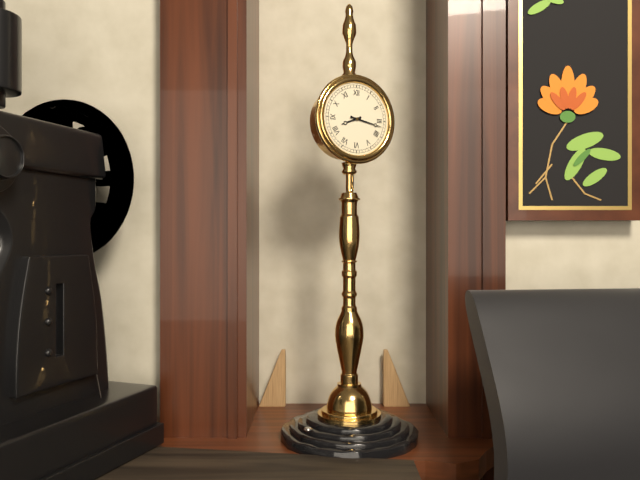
{"hour": 8, "minute": 17}
